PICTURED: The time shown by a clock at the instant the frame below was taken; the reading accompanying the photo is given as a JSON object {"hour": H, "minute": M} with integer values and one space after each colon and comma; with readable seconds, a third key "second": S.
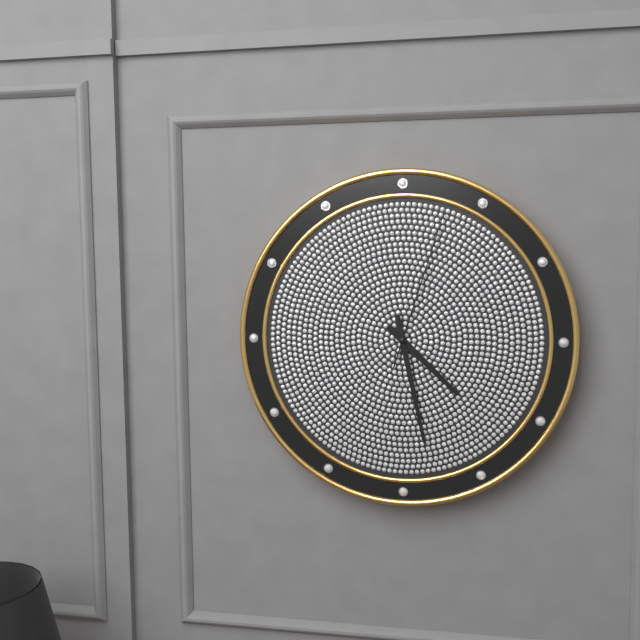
{"hour": 4, "minute": 28, "second": 3}
